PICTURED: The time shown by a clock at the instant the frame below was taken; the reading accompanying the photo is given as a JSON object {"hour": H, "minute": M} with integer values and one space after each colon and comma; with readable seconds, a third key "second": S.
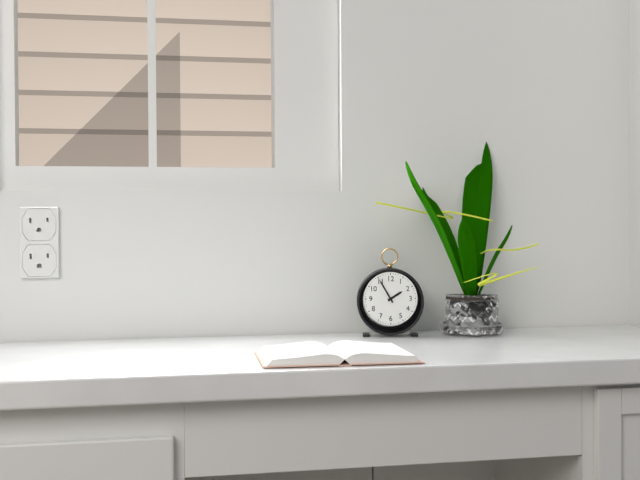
{"hour": 1, "minute": 55}
